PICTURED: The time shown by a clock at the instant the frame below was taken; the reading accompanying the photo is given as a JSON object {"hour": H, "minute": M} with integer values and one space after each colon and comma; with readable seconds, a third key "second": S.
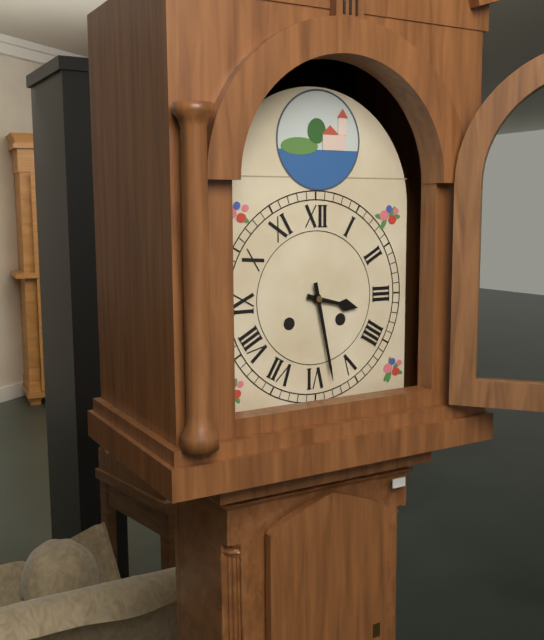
{"hour": 3, "minute": 28}
